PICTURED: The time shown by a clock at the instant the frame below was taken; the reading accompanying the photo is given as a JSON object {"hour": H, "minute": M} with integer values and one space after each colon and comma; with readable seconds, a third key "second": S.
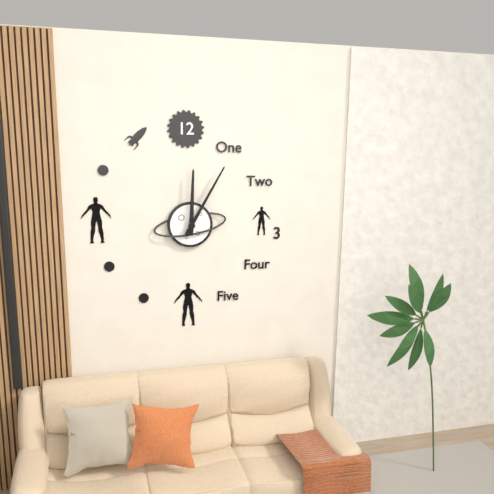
{"hour": 12, "minute": 5}
